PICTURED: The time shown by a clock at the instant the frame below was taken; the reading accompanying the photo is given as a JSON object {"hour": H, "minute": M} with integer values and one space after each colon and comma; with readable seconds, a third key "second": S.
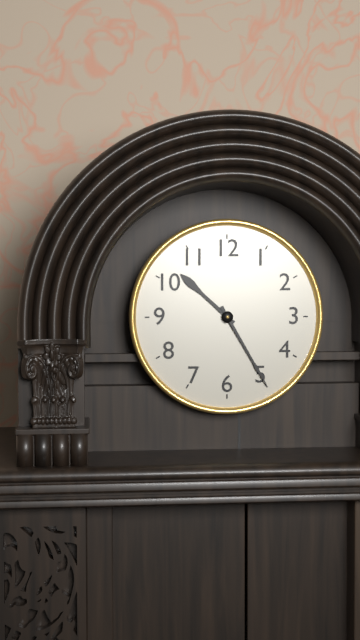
{"hour": 10, "minute": 25}
